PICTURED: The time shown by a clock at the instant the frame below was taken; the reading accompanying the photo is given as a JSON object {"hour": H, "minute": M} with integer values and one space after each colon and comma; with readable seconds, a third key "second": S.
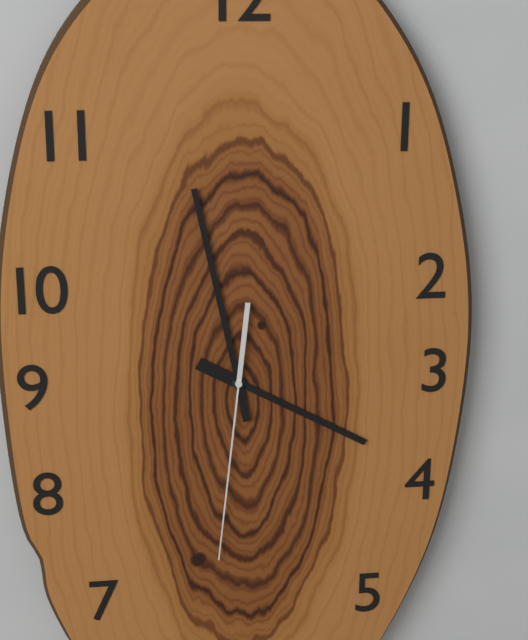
{"hour": 3, "minute": 58, "second": 31}
